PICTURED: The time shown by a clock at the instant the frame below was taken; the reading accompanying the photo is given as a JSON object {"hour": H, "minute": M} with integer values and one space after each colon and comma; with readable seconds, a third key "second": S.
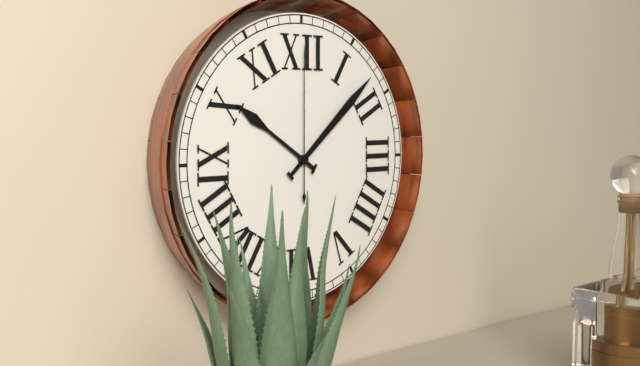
{"hour": 10, "minute": 8, "second": 0}
